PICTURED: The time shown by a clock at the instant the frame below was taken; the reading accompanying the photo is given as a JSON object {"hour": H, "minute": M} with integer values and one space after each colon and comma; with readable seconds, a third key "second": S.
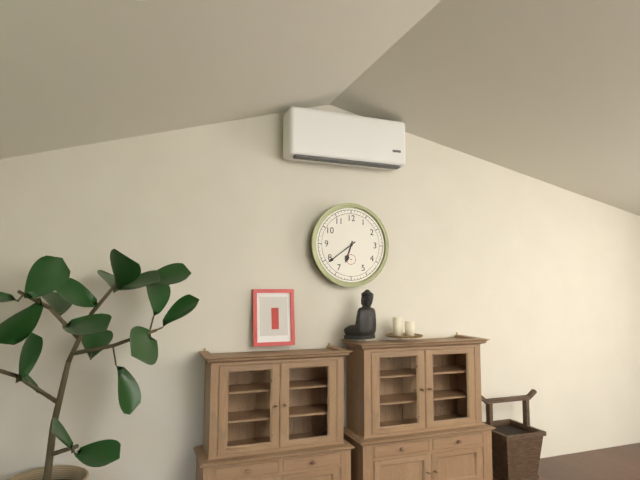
{"hour": 6, "minute": 39}
